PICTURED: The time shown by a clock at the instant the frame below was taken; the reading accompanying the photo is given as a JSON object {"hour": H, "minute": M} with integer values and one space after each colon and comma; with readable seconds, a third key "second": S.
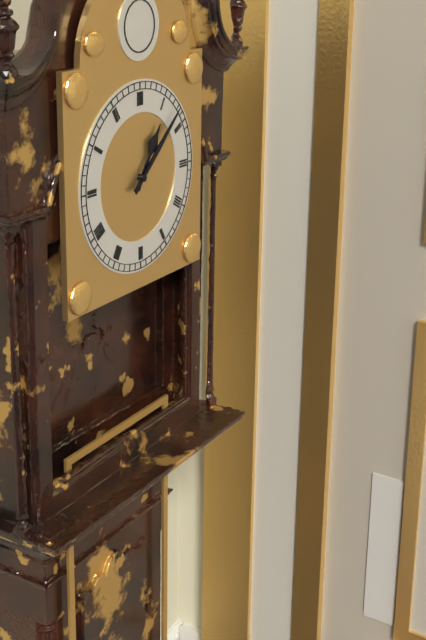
{"hour": 1, "minute": 8}
